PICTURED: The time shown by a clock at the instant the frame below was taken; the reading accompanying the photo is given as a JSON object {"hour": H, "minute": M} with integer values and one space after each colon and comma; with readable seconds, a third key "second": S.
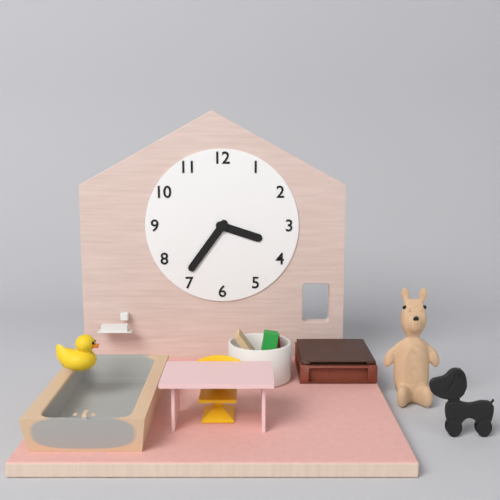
{"hour": 3, "minute": 36}
